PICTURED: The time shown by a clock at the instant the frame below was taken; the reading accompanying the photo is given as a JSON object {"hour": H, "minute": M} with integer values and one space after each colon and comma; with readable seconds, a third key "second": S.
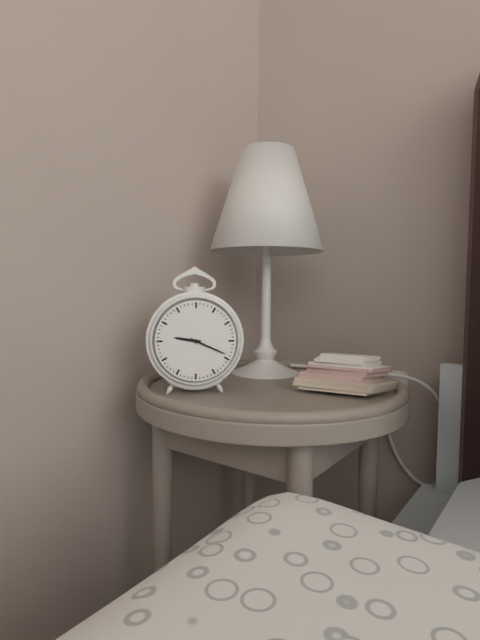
{"hour": 9, "minute": 19}
